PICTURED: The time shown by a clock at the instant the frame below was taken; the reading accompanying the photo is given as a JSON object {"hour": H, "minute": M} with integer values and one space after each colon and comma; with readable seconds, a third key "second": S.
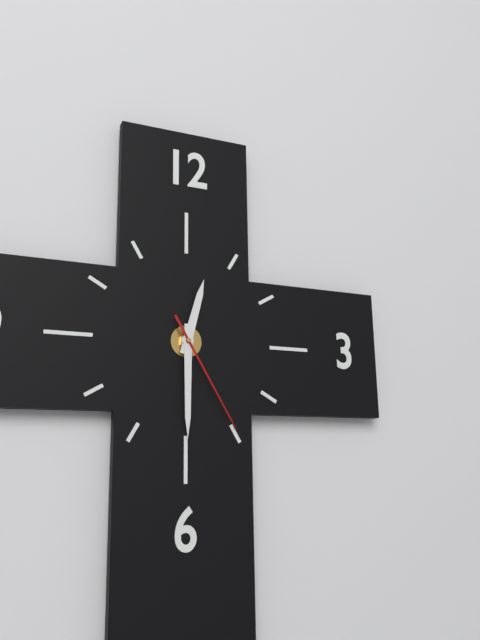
{"hour": 12, "minute": 30, "second": 25}
